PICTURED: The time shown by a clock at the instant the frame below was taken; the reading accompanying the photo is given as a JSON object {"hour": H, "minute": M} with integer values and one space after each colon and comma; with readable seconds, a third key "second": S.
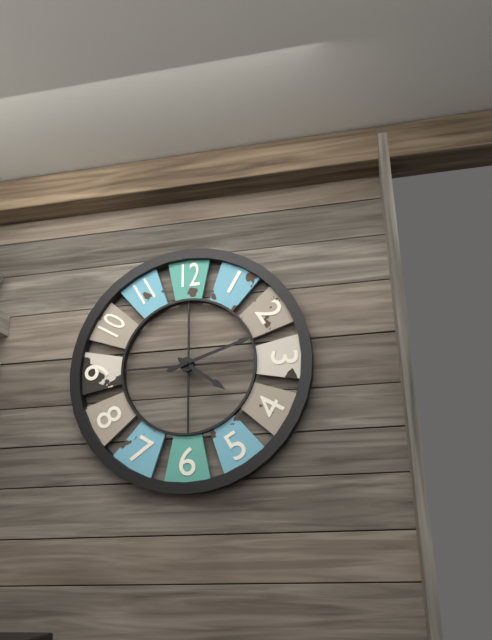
{"hour": 4, "minute": 12}
